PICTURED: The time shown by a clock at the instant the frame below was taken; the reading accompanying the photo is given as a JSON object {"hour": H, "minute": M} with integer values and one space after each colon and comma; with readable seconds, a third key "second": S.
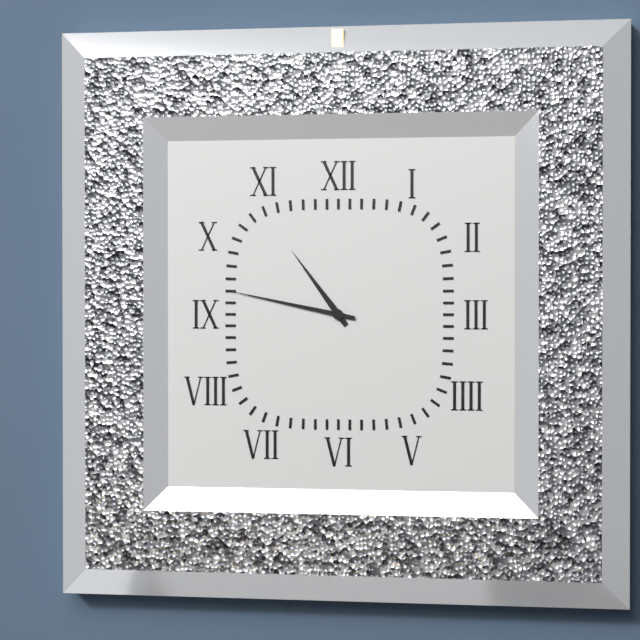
{"hour": 10, "minute": 47}
